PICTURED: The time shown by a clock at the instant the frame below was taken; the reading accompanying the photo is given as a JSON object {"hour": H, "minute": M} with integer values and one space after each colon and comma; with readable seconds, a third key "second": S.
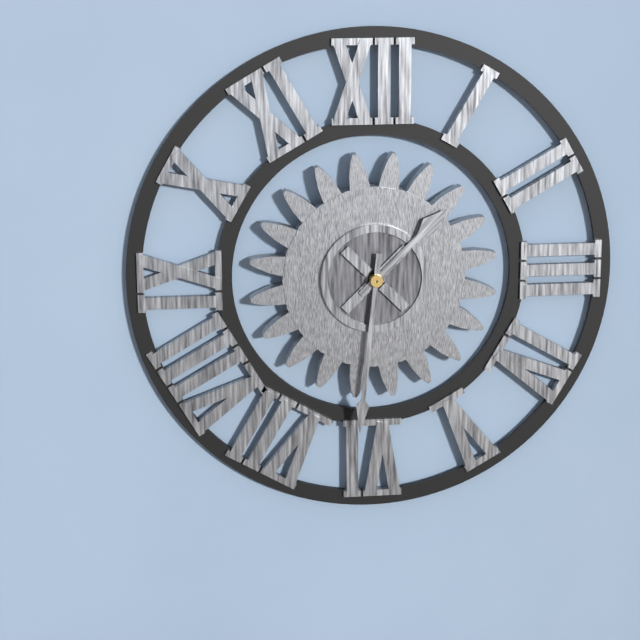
{"hour": 1, "minute": 31}
